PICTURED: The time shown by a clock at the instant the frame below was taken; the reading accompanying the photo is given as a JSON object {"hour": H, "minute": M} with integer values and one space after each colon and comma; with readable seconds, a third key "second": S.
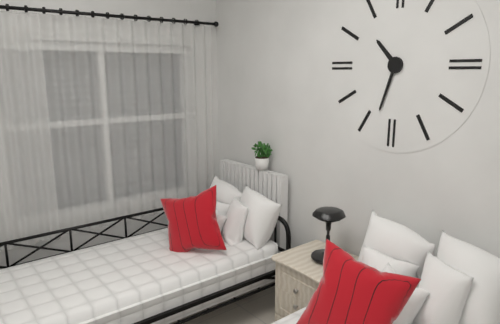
{"hour": 10, "minute": 33}
